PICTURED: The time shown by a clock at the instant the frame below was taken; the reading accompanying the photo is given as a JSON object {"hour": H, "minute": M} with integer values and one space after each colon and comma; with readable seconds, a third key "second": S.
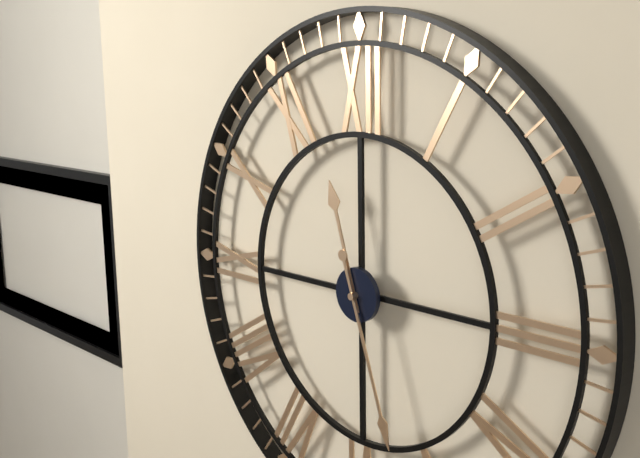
{"hour": 11, "minute": 27}
